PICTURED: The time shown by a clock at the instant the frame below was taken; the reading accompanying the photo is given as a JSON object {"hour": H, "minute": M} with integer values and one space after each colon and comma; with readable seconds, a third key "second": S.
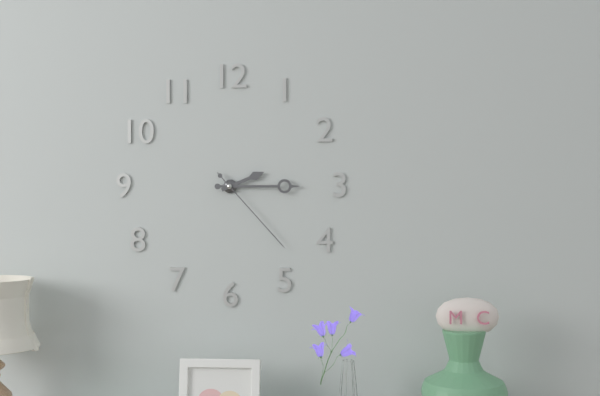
{"hour": 2, "minute": 15, "second": 23}
